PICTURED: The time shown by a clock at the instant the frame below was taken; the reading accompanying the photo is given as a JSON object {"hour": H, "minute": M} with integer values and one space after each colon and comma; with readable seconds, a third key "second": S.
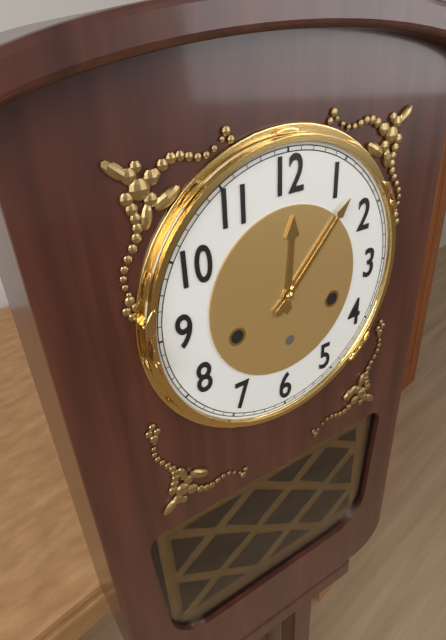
{"hour": 12, "minute": 7}
